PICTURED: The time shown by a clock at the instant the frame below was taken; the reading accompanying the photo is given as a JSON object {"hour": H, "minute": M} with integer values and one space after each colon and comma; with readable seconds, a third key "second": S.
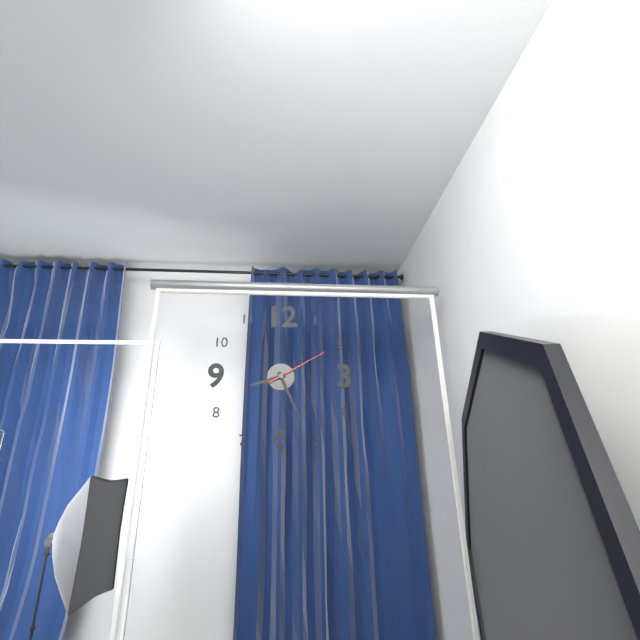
{"hour": 8, "minute": 26, "second": 10}
